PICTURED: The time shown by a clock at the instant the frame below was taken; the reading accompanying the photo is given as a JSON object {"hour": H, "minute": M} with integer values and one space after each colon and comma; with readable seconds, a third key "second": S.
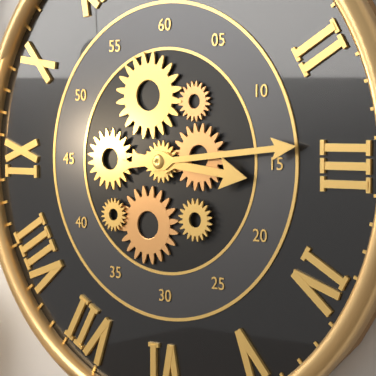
{"hour": 3, "minute": 14}
